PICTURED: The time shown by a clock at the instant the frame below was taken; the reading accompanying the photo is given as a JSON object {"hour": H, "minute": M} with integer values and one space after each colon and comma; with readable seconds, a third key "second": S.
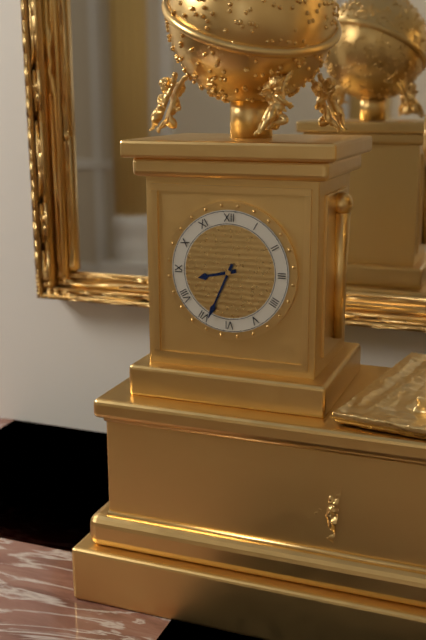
{"hour": 8, "minute": 34}
